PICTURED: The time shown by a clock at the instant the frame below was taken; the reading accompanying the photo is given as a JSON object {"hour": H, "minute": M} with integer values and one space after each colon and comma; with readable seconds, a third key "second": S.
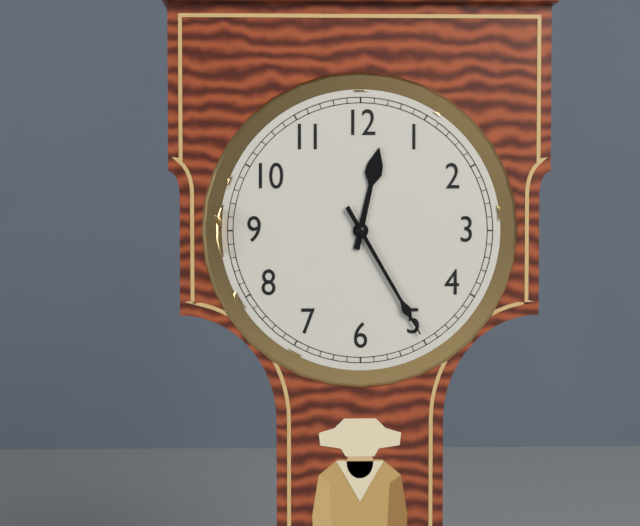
{"hour": 12, "minute": 25}
